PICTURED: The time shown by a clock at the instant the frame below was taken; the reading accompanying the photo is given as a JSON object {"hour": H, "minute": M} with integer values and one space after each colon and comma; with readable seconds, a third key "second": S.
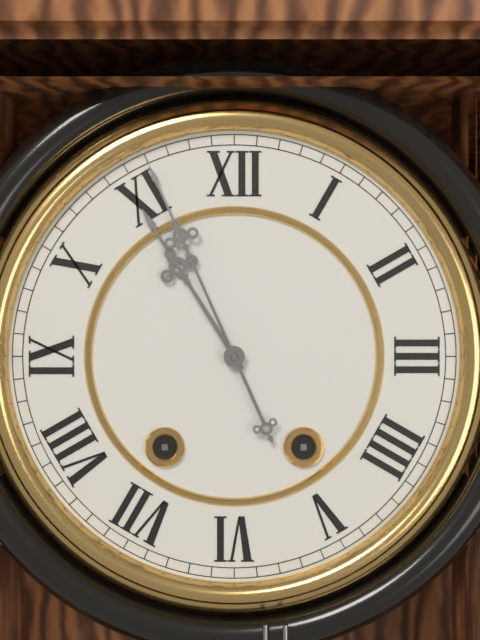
{"hour": 10, "minute": 56}
